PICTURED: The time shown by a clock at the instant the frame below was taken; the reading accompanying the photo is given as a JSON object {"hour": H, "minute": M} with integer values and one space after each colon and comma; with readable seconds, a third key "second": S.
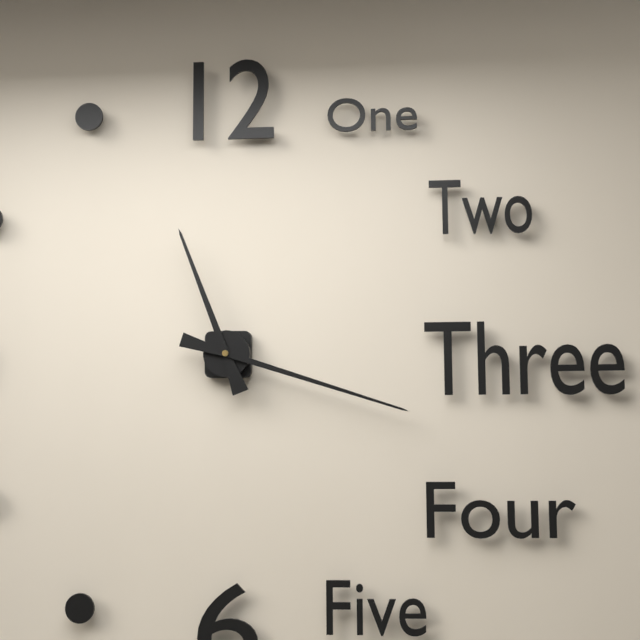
{"hour": 11, "minute": 18}
